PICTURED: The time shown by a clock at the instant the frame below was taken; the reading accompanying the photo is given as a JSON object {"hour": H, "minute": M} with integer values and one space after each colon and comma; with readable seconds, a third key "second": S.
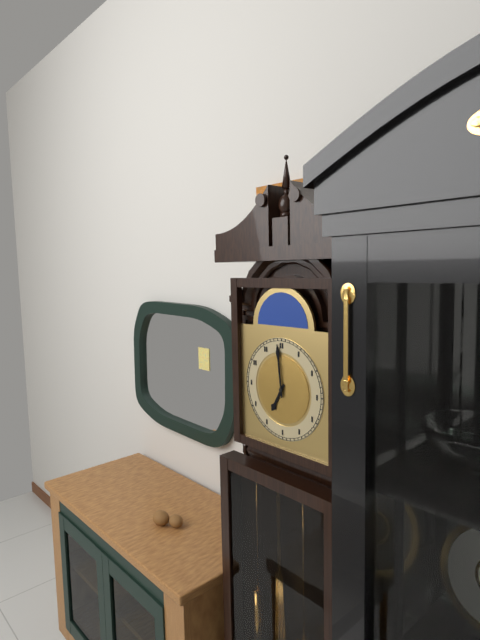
{"hour": 6, "minute": 59}
